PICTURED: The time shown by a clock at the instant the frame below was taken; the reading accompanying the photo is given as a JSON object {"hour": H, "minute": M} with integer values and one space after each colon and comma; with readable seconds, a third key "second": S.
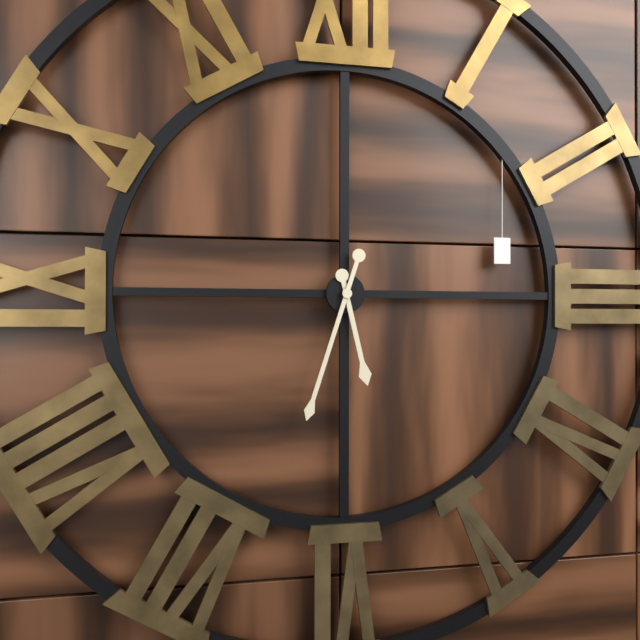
{"hour": 5, "minute": 33}
